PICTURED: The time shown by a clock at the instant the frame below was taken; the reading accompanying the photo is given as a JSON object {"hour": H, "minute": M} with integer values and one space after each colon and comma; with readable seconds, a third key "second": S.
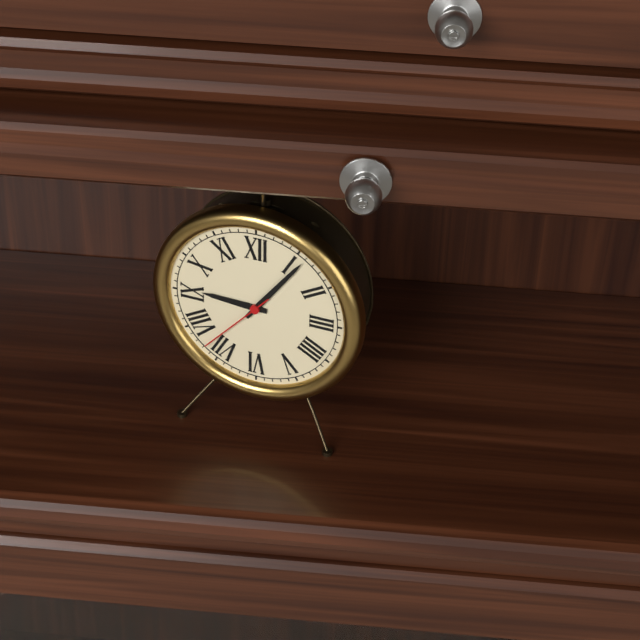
{"hour": 9, "minute": 6, "second": 37}
